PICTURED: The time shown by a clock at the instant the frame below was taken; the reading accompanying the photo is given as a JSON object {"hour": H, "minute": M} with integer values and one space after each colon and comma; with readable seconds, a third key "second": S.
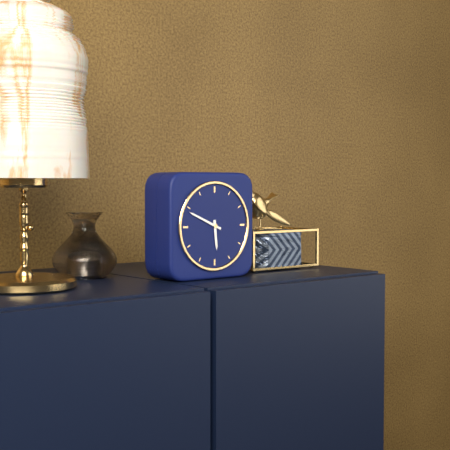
{"hour": 5, "minute": 49}
